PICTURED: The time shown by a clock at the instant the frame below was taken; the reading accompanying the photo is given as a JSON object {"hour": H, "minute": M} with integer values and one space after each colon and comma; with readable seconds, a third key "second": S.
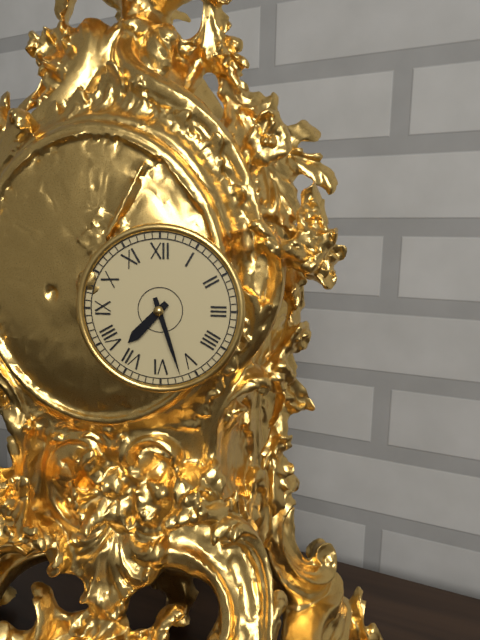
{"hour": 7, "minute": 27}
